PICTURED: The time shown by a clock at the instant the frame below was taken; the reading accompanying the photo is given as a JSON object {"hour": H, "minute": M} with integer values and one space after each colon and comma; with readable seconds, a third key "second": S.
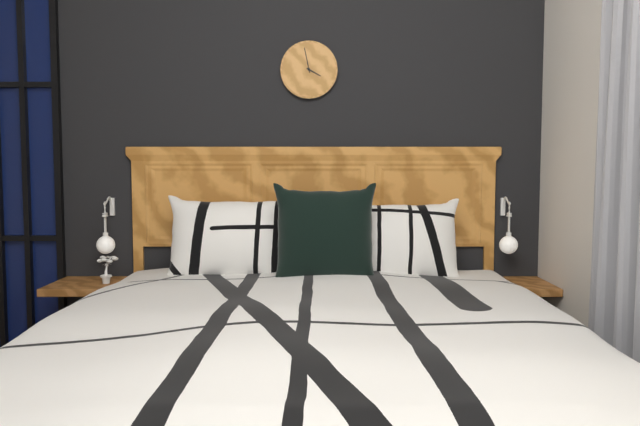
{"hour": 3, "minute": 58}
